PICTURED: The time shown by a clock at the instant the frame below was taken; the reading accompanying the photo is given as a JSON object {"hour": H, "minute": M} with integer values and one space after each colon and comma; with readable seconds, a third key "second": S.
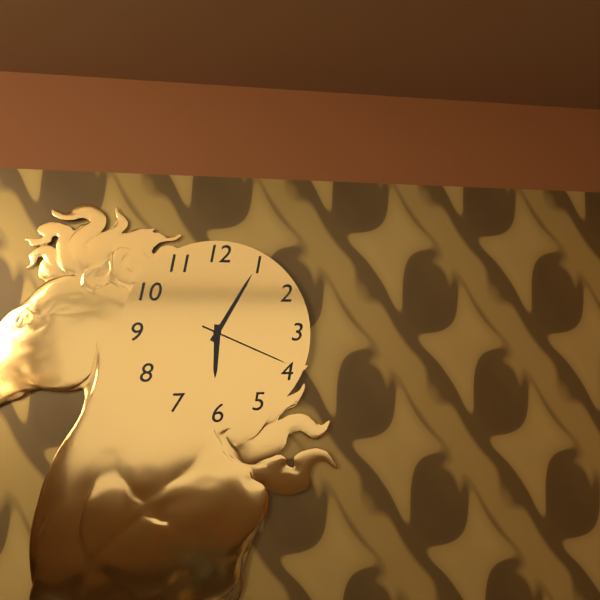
{"hour": 6, "minute": 5, "second": 19}
